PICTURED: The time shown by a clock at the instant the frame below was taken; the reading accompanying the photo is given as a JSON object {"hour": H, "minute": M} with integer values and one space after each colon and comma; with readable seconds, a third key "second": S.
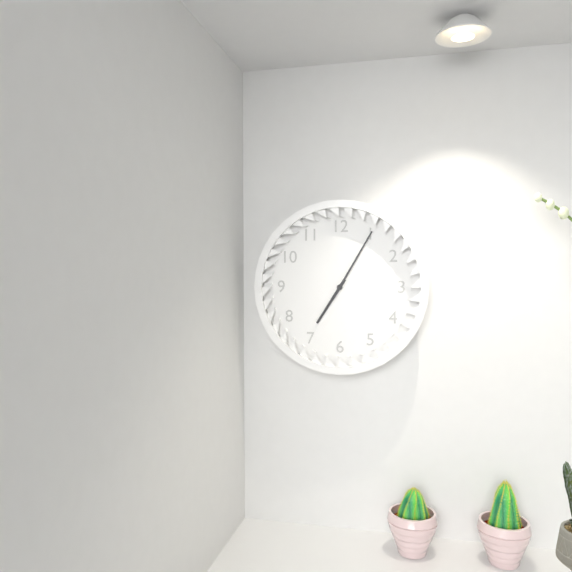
{"hour": 7, "minute": 5}
